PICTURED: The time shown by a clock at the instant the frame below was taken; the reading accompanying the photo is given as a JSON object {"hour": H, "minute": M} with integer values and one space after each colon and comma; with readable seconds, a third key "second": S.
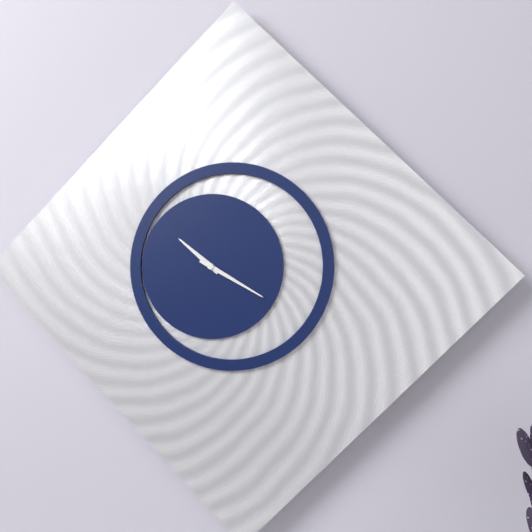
{"hour": 10, "minute": 20}
